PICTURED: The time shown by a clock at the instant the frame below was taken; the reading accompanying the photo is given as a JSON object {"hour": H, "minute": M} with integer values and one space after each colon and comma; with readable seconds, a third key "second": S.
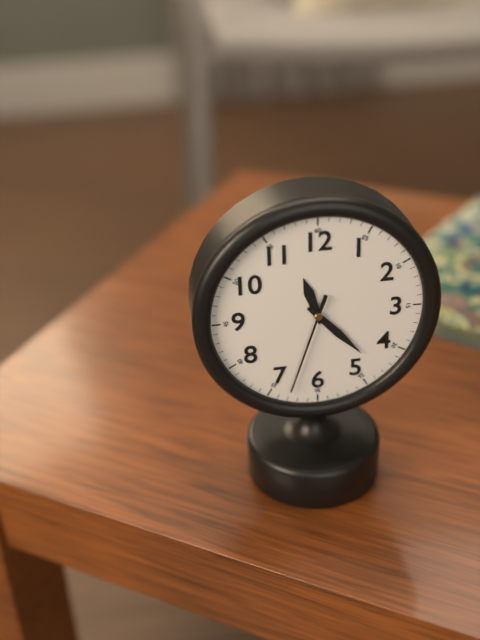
{"hour": 11, "minute": 23, "second": 33}
